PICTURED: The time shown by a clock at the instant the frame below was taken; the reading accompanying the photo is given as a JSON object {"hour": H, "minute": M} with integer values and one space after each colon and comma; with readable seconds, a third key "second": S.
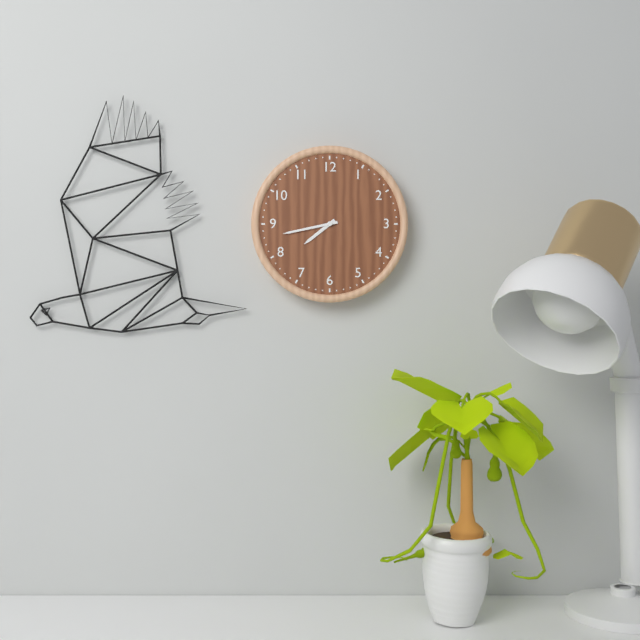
{"hour": 7, "minute": 43}
